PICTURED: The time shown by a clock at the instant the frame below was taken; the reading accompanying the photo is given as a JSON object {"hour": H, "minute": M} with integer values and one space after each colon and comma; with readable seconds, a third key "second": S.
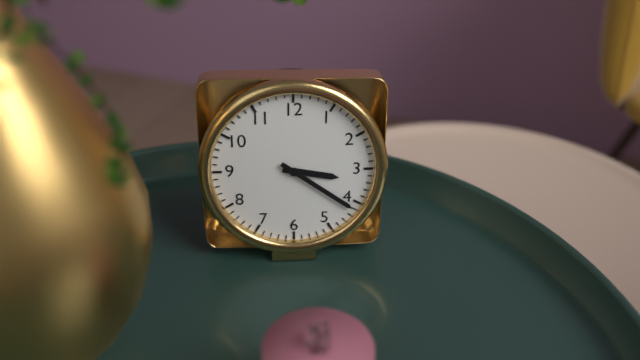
{"hour": 3, "minute": 21}
